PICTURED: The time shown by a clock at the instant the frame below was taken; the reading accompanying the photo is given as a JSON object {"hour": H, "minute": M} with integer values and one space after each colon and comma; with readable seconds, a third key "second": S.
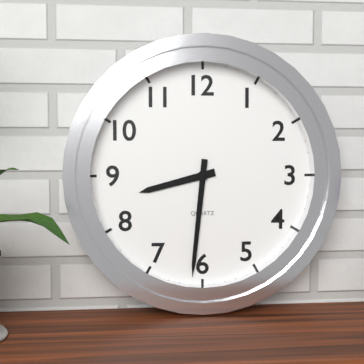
{"hour": 8, "minute": 31}
